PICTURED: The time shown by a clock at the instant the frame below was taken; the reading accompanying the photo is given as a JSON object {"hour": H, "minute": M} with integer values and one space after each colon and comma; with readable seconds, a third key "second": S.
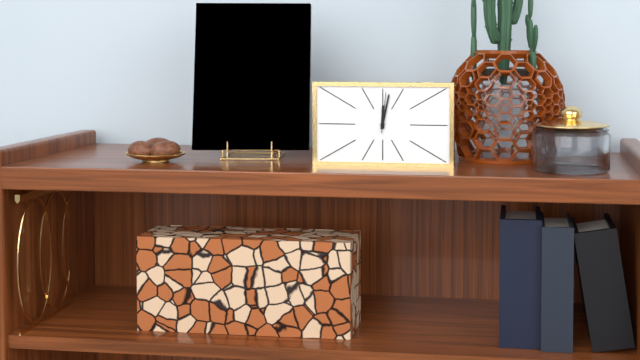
{"hour": 12, "minute": 2}
